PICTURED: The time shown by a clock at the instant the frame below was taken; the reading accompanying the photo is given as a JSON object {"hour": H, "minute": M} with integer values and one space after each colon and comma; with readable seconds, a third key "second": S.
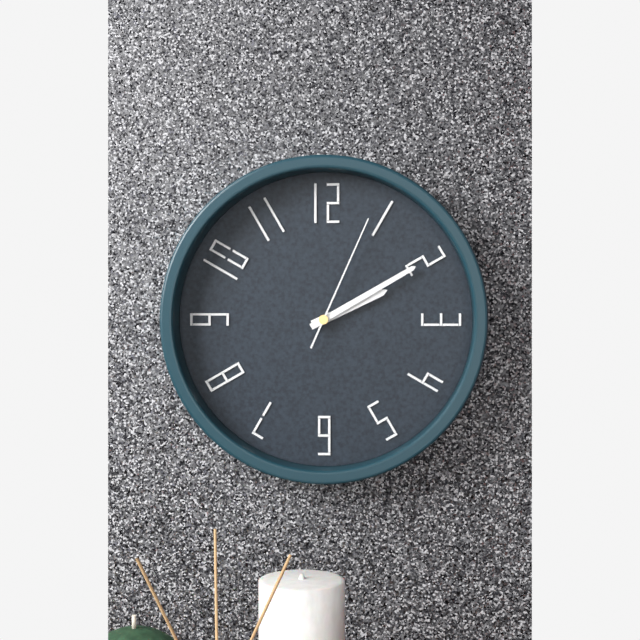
{"hour": 2, "minute": 10, "second": 4}
